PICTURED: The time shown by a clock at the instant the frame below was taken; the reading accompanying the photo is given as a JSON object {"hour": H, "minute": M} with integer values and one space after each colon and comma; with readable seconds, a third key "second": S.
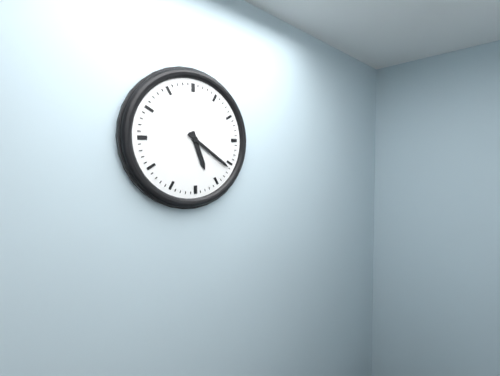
{"hour": 5, "minute": 21}
